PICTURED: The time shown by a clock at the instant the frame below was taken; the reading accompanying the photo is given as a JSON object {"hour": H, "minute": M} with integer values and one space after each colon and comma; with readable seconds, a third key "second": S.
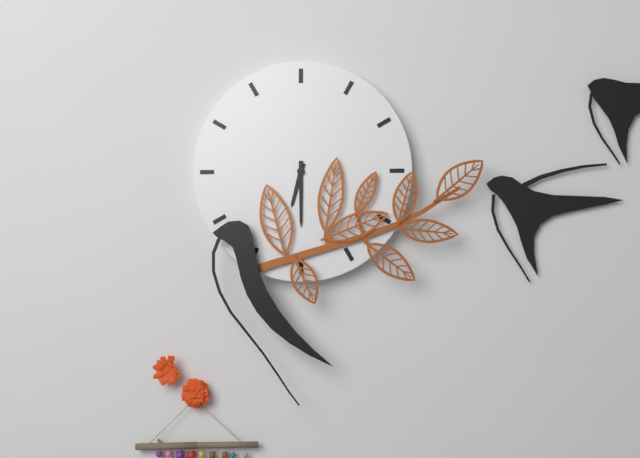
{"hour": 6, "minute": 30}
